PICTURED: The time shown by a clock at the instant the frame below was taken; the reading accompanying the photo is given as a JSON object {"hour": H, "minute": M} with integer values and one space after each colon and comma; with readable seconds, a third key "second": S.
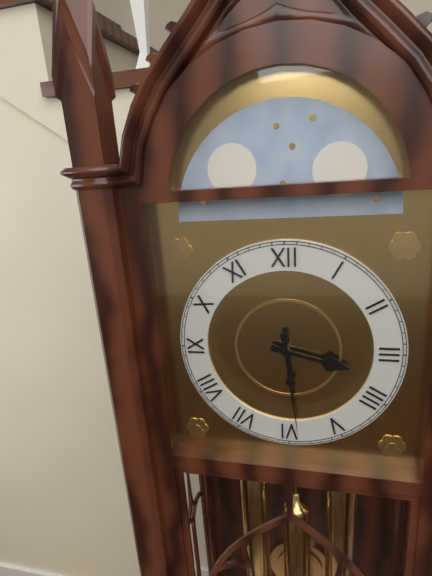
{"hour": 3, "minute": 29}
